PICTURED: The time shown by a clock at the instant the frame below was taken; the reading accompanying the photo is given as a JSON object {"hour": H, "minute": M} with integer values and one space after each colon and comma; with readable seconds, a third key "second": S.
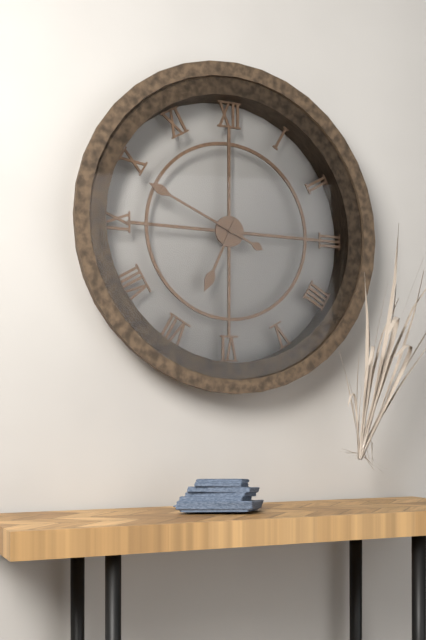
{"hour": 6, "minute": 49}
